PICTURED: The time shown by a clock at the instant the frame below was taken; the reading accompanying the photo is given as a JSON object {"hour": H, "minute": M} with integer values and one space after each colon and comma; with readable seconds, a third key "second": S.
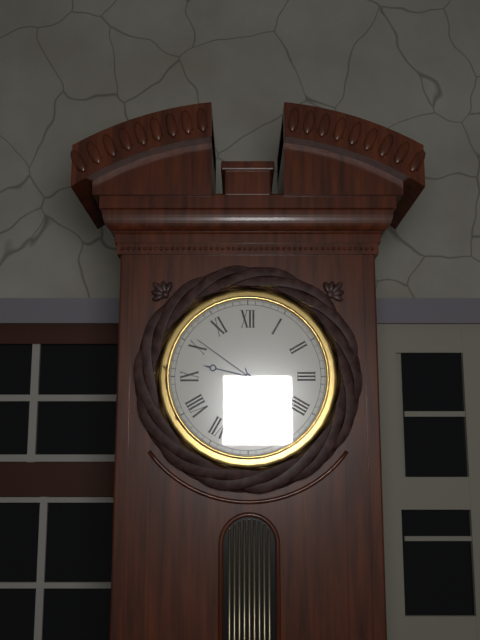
{"hour": 9, "minute": 27, "second": 51}
